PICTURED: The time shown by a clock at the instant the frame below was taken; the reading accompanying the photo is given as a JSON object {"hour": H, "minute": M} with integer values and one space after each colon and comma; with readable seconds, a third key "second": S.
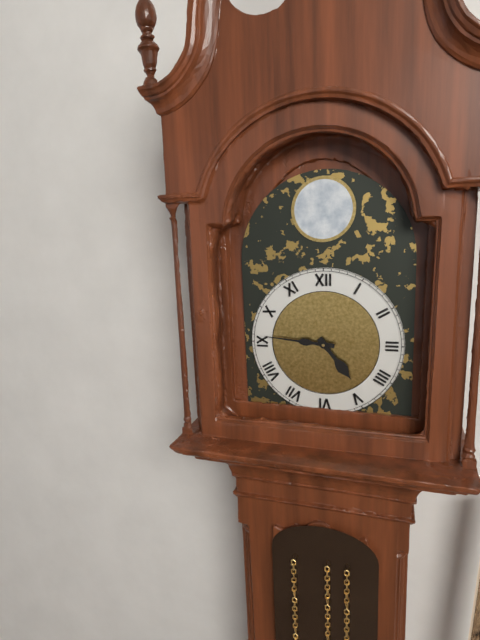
{"hour": 4, "minute": 46}
